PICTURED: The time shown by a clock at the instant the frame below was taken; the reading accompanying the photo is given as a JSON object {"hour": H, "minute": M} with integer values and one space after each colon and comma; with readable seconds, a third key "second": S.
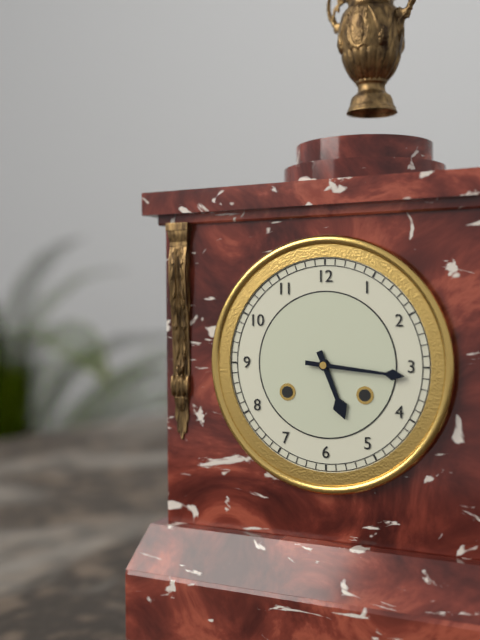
{"hour": 5, "minute": 16}
